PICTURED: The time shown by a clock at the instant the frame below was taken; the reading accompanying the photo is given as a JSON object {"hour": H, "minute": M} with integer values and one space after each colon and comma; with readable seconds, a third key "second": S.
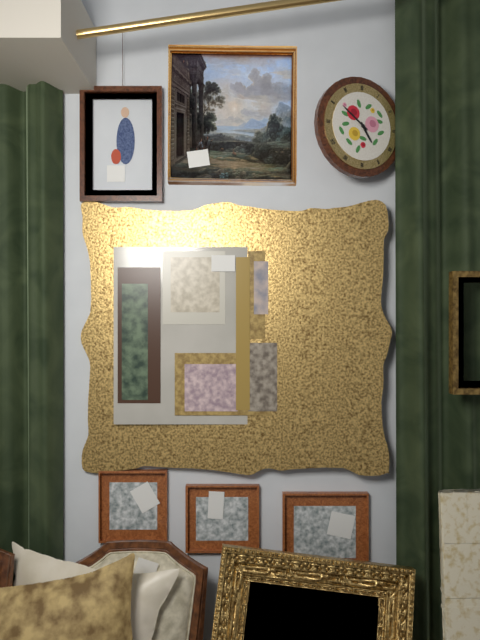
{"hour": 4, "minute": 51}
